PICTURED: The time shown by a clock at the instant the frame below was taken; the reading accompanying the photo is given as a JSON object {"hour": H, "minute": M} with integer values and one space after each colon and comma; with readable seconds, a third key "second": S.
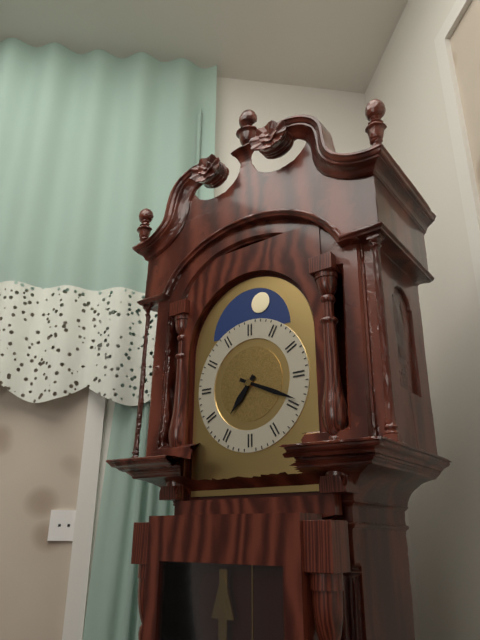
{"hour": 7, "minute": 19}
